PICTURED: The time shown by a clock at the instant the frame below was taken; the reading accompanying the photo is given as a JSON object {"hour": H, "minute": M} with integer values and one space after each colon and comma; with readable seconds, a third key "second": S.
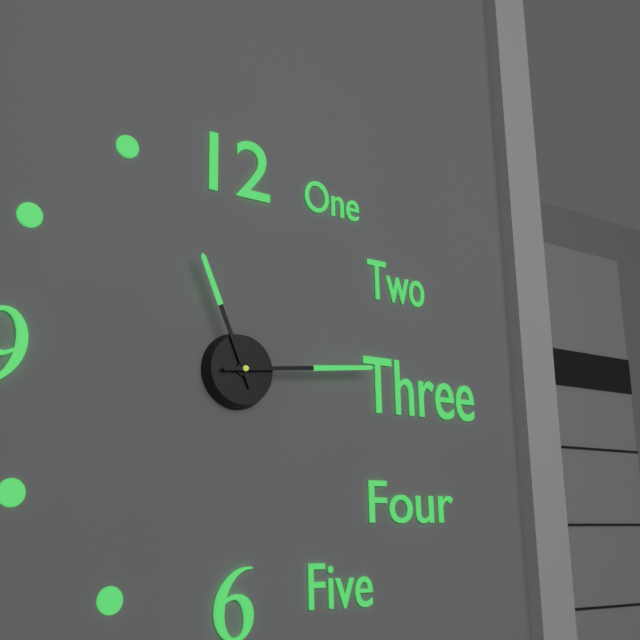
{"hour": 11, "minute": 14}
